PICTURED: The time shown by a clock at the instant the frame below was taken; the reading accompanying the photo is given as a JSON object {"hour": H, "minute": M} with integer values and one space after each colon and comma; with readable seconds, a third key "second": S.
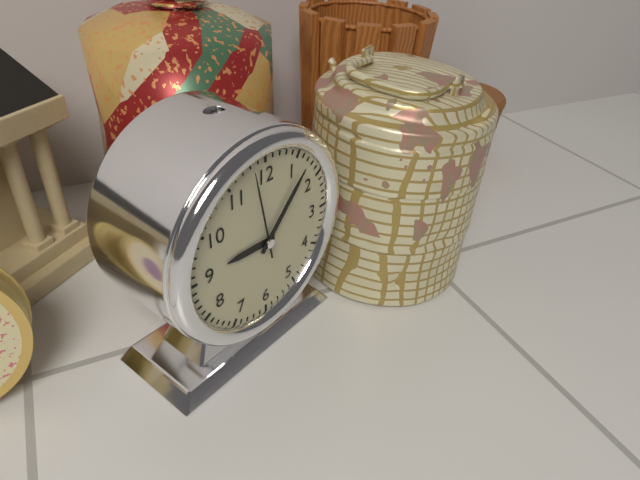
{"hour": 9, "minute": 7, "second": 58}
